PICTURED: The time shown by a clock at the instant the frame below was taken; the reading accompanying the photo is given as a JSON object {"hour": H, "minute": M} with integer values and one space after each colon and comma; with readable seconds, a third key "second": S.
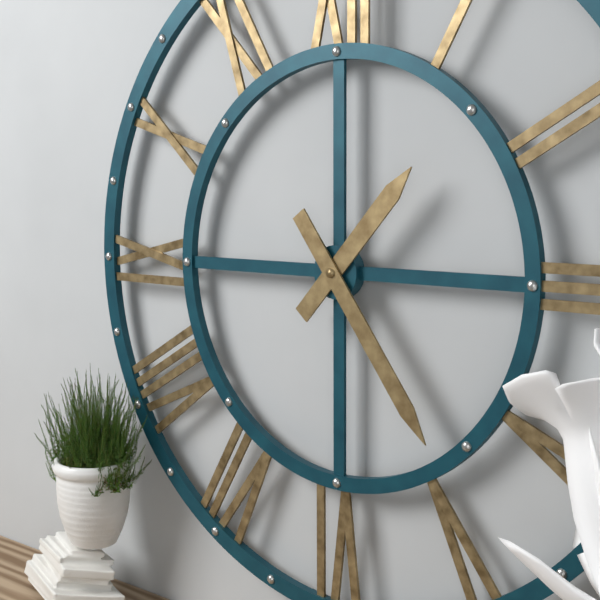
{"hour": 1, "minute": 24}
